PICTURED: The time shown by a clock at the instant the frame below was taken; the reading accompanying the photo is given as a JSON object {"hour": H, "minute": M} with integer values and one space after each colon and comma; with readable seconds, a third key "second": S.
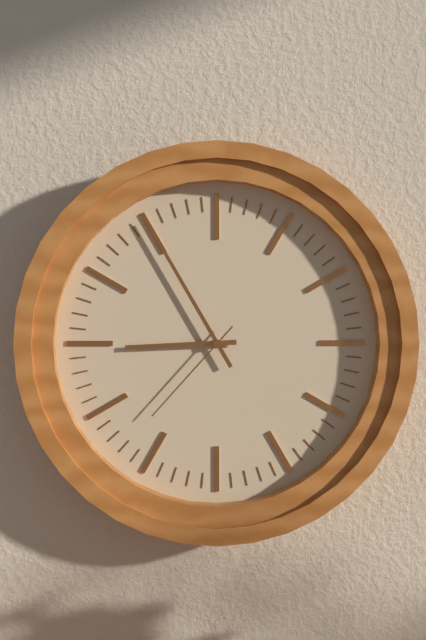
{"hour": 8, "minute": 55, "second": 37}
